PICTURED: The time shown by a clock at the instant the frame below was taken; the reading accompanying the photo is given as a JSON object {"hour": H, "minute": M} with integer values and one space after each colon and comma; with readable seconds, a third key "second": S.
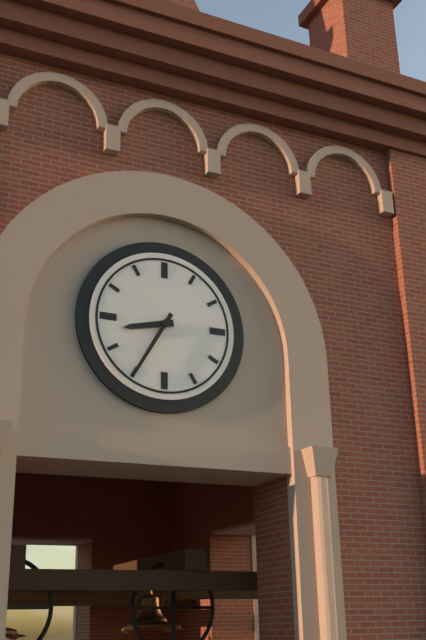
{"hour": 8, "minute": 35}
